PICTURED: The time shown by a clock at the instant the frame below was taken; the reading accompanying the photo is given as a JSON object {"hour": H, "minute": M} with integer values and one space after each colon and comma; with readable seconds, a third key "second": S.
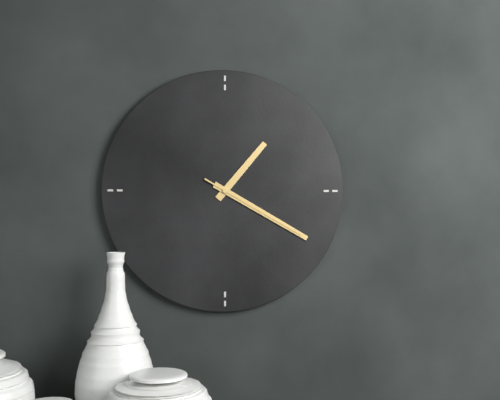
{"hour": 1, "minute": 20, "second": 20}
